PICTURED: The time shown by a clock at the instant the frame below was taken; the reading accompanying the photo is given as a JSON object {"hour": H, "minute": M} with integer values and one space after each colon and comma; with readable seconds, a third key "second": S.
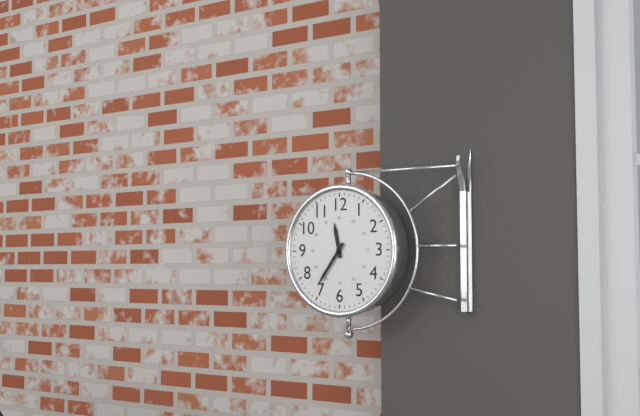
{"hour": 11, "minute": 36}
